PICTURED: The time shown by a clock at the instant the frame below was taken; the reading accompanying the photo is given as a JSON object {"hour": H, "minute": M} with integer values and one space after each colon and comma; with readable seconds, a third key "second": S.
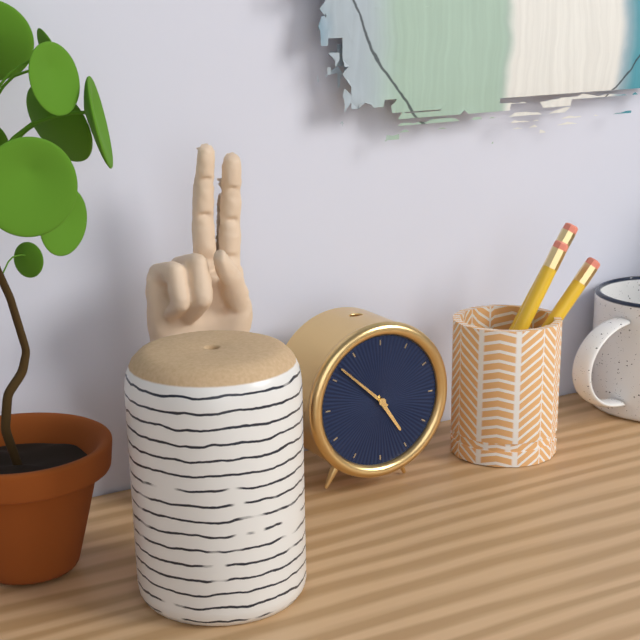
{"hour": 4, "minute": 52}
